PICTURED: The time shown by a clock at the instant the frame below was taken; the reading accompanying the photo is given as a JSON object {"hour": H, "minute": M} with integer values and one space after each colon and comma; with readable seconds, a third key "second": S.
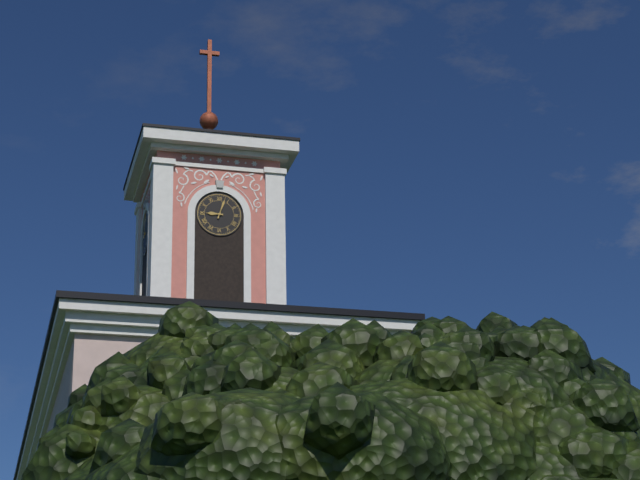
{"hour": 9, "minute": 3}
